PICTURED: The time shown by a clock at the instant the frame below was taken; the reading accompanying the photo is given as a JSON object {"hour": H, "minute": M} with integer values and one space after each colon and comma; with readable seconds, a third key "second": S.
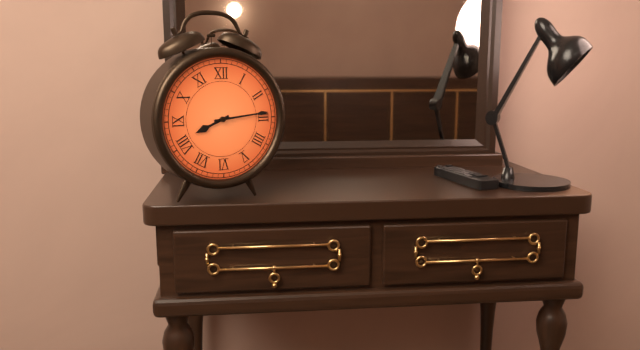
{"hour": 8, "minute": 14}
